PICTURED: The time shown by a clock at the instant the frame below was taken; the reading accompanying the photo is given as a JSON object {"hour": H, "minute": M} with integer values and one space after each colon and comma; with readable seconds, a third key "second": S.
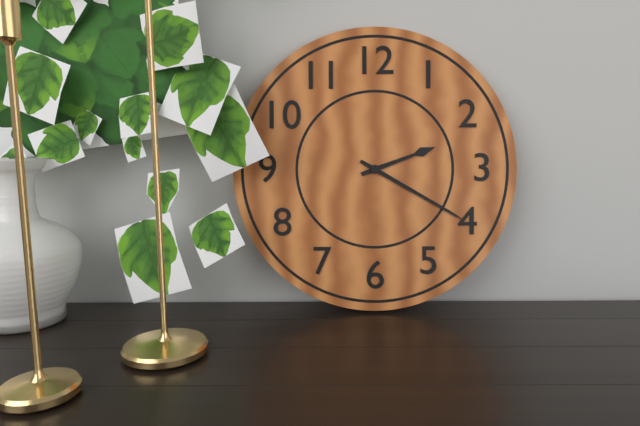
{"hour": 2, "minute": 20}
